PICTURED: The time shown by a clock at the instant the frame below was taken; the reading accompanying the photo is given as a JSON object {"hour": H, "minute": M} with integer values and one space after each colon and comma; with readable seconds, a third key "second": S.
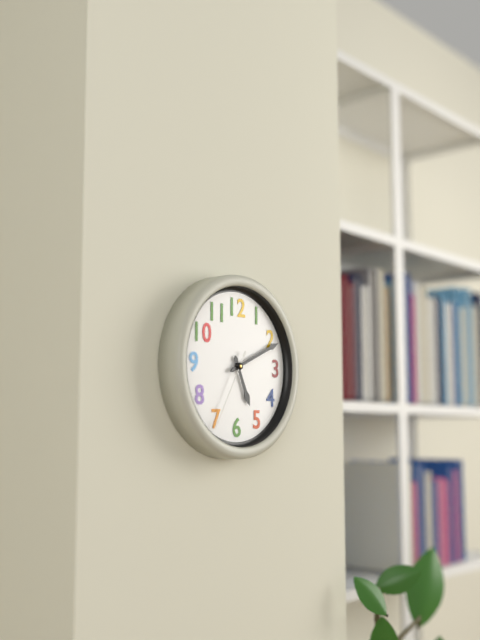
{"hour": 5, "minute": 11, "second": 35}
